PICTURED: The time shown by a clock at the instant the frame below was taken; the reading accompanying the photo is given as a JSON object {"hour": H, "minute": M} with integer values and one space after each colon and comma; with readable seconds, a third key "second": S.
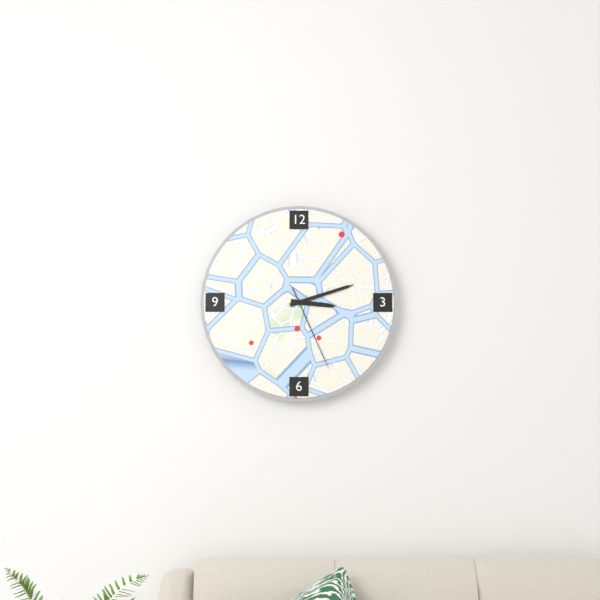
{"hour": 3, "minute": 12, "second": 26}
